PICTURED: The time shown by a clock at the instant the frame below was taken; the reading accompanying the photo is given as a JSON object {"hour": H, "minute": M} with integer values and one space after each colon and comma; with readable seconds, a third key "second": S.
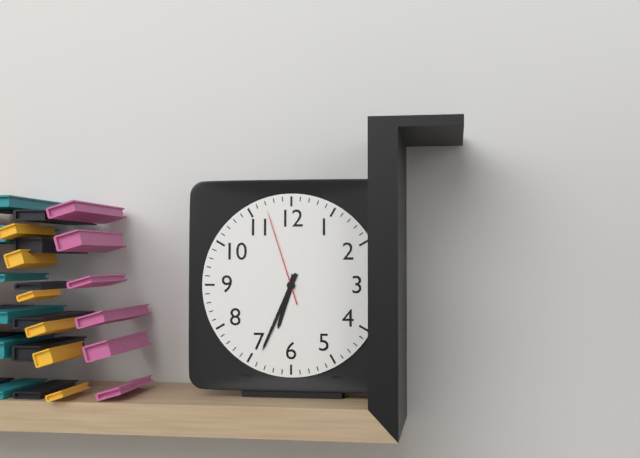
{"hour": 6, "minute": 34, "second": 57}
